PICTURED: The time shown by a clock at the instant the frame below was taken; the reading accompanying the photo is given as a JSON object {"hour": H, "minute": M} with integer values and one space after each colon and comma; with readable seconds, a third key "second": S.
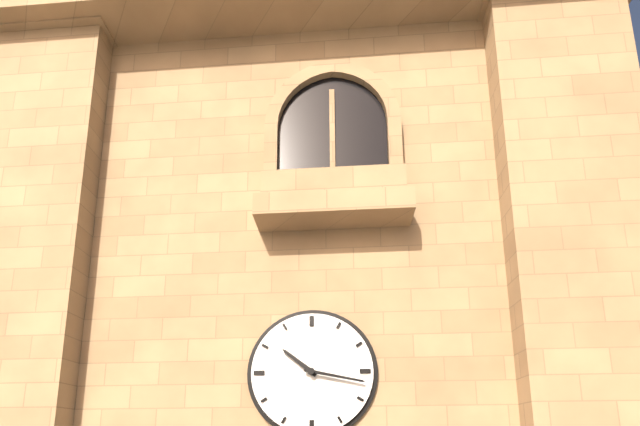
{"hour": 10, "minute": 17}
